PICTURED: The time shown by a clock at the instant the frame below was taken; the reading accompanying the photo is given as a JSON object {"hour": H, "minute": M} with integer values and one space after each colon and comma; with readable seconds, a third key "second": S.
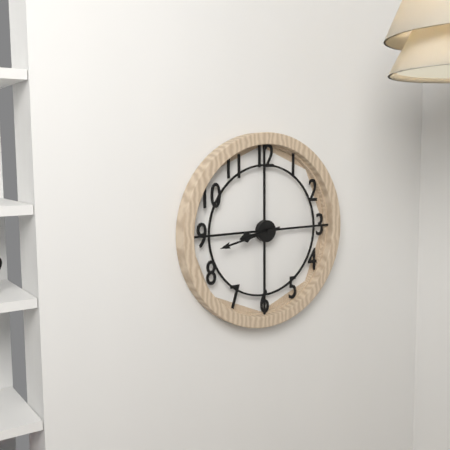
{"hour": 8, "minute": 43}
